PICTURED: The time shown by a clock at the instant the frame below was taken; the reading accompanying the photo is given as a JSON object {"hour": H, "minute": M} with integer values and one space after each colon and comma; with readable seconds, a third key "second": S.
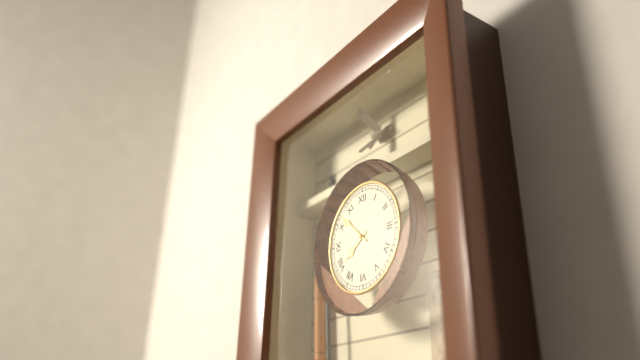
{"hour": 7, "minute": 52}
